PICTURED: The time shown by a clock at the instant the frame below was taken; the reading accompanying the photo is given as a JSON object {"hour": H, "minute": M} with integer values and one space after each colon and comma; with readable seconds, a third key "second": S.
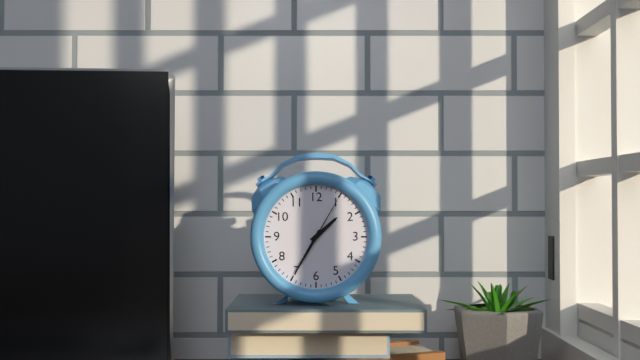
{"hour": 1, "minute": 35, "second": 5}
